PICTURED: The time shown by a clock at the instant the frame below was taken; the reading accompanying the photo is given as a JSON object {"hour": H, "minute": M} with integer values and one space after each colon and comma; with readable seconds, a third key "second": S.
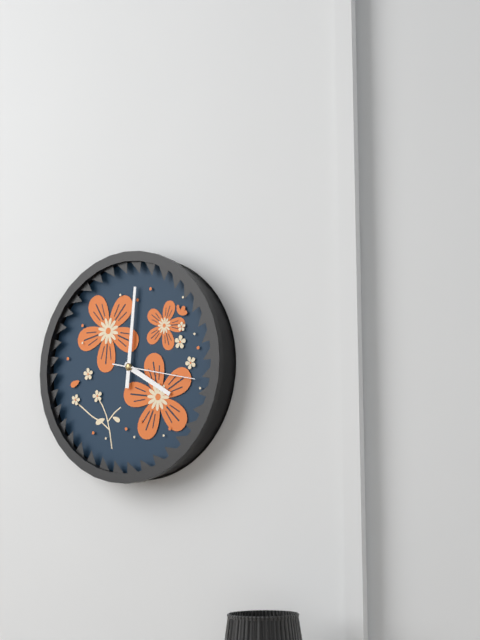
{"hour": 4, "minute": 1, "second": 17}
